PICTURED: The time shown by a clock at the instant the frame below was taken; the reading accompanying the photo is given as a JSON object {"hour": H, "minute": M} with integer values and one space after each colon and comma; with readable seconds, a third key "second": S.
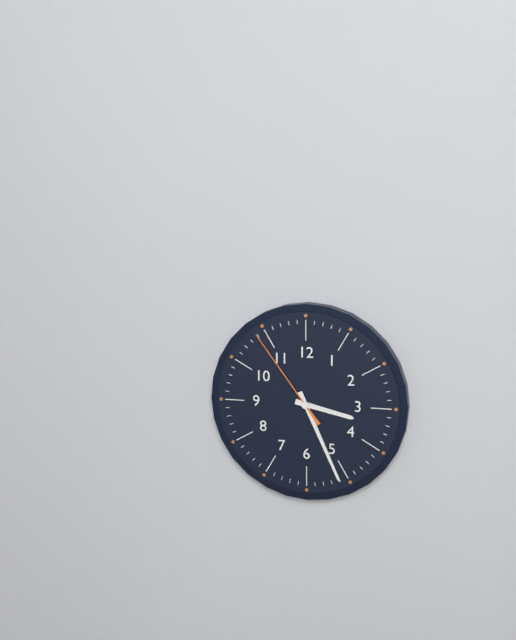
{"hour": 3, "minute": 26, "second": 54}
